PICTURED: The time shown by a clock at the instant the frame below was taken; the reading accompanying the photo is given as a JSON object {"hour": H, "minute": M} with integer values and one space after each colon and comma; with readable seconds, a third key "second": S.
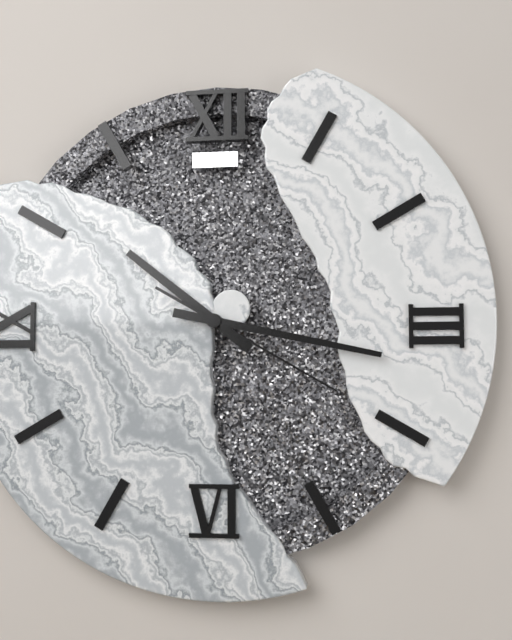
{"hour": 10, "minute": 17, "second": 20}
